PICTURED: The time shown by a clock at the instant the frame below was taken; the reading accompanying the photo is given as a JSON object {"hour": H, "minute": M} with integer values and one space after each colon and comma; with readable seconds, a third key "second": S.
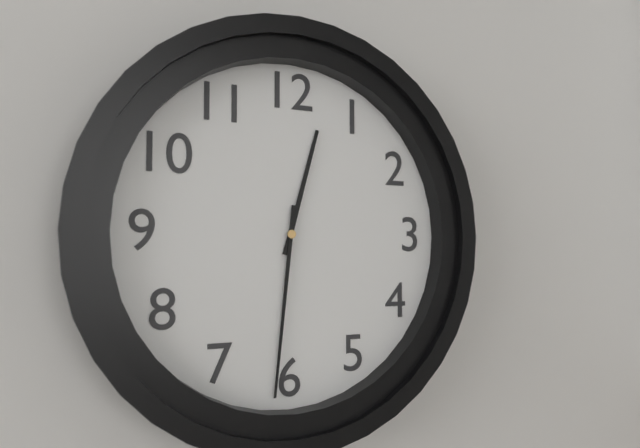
{"hour": 12, "minute": 31}
